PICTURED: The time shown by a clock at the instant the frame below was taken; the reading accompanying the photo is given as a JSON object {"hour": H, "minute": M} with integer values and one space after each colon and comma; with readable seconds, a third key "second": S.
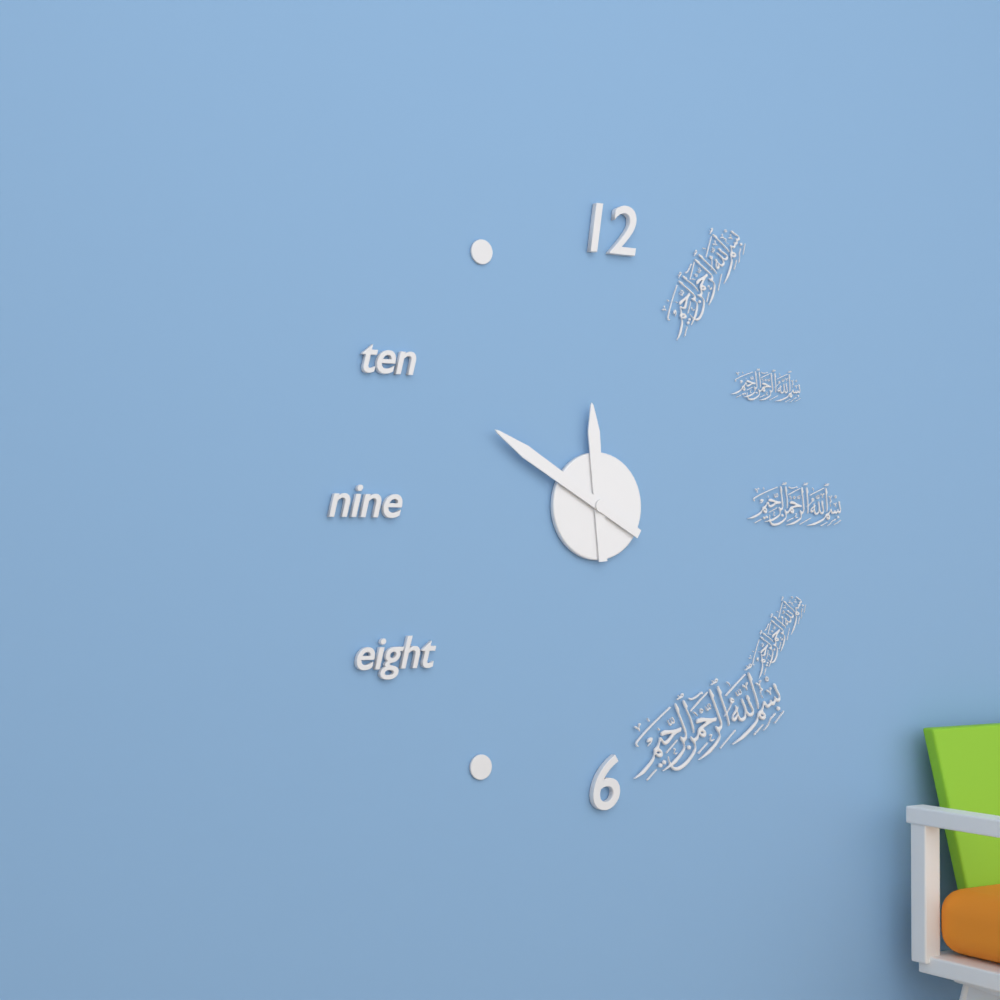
{"hour": 11, "minute": 50}
